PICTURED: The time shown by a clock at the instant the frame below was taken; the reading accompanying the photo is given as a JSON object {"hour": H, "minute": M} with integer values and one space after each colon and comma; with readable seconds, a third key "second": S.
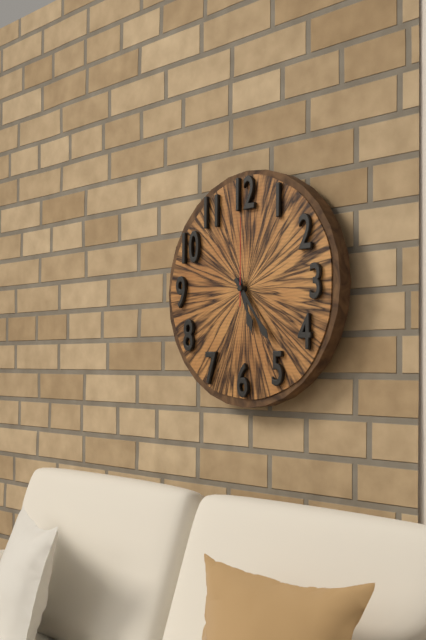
{"hour": 5, "minute": 24, "second": 0}
